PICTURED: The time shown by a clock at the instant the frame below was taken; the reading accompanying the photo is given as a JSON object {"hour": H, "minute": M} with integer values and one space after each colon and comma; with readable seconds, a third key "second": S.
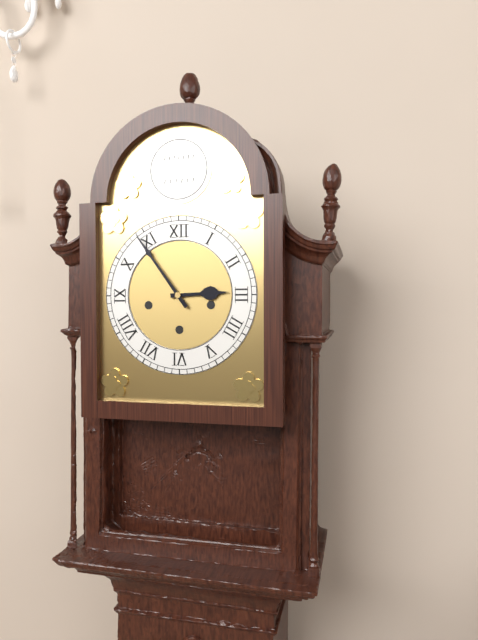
{"hour": 2, "minute": 54}
